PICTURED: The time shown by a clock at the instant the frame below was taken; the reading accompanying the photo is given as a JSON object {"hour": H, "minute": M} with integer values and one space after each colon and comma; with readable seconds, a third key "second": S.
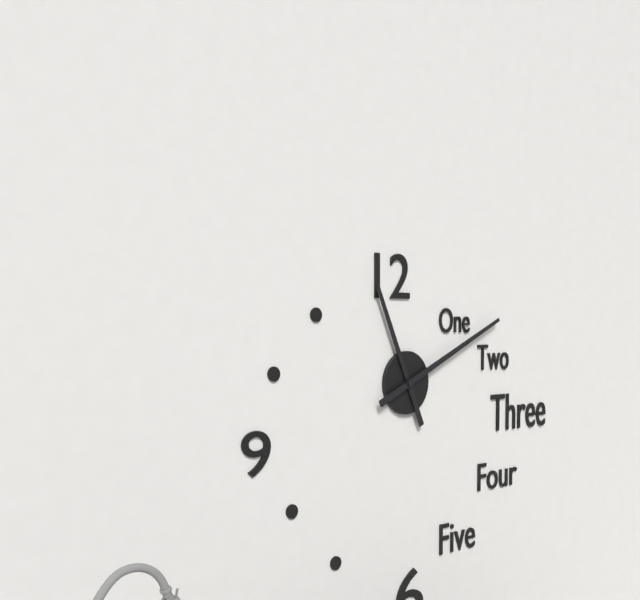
{"hour": 11, "minute": 11}
